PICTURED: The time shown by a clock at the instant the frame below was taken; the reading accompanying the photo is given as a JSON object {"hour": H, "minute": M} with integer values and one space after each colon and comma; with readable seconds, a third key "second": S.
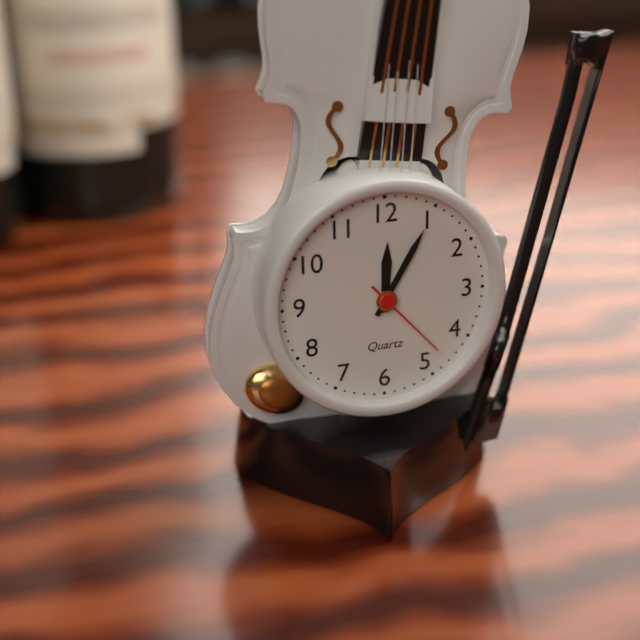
{"hour": 12, "minute": 5, "second": 23}
